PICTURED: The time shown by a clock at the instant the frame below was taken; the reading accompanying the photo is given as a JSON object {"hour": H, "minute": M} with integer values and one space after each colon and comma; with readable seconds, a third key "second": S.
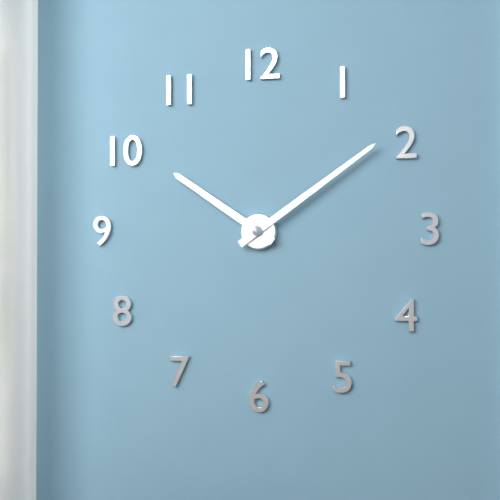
{"hour": 10, "minute": 9}
